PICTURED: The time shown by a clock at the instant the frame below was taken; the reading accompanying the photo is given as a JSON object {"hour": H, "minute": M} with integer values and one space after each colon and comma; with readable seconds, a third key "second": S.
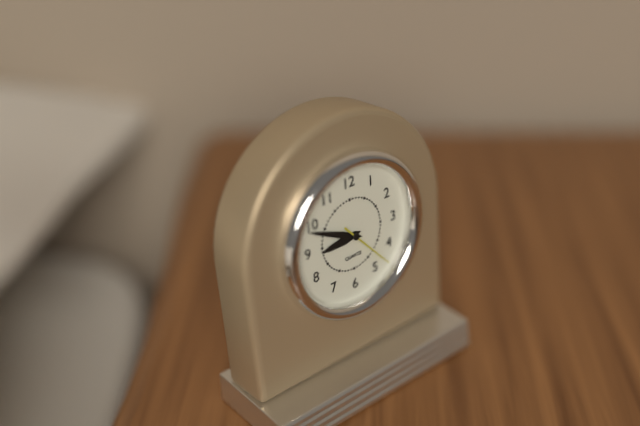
{"hour": 8, "minute": 49, "second": 23}
